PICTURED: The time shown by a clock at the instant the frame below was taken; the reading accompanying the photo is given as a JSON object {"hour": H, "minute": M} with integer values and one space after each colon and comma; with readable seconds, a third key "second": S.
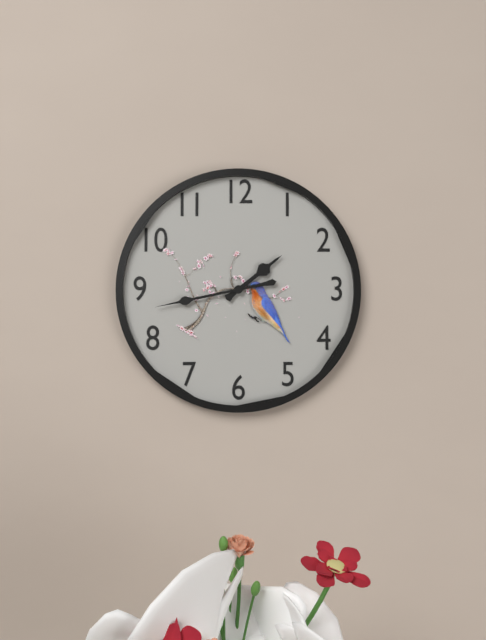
{"hour": 1, "minute": 43}
